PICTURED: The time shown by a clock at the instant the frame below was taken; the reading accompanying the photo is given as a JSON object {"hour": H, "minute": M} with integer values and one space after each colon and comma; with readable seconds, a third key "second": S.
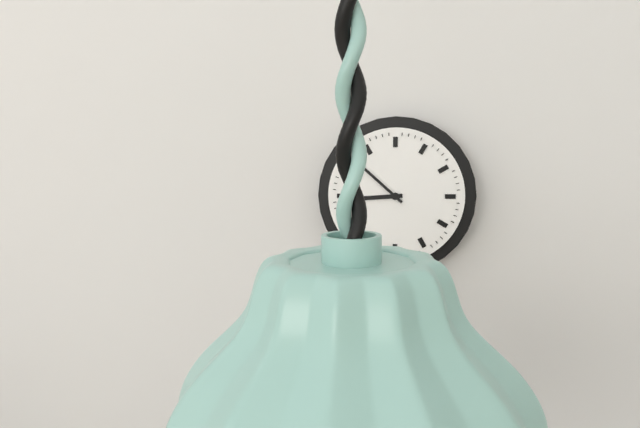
{"hour": 8, "minute": 52}
